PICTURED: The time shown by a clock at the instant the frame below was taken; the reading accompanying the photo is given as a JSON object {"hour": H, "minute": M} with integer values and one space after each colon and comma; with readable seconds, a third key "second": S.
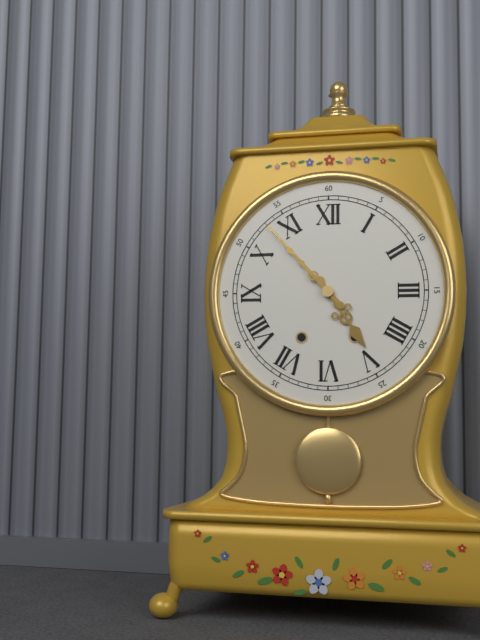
{"hour": 4, "minute": 53}
